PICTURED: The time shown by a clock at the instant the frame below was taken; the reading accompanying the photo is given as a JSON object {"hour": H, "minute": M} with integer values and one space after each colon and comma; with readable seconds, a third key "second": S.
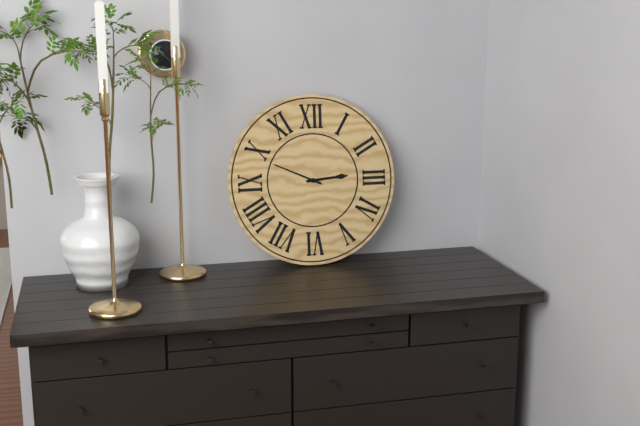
{"hour": 2, "minute": 49}
